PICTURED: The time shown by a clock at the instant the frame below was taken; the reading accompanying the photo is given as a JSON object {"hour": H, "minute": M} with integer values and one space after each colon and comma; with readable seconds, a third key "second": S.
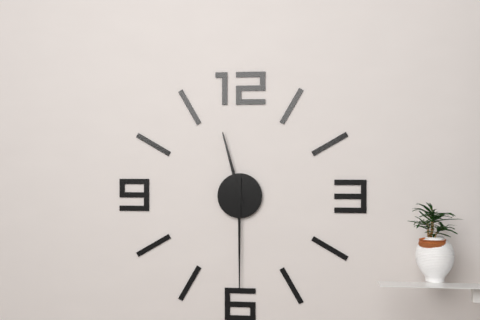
{"hour": 11, "minute": 30}
